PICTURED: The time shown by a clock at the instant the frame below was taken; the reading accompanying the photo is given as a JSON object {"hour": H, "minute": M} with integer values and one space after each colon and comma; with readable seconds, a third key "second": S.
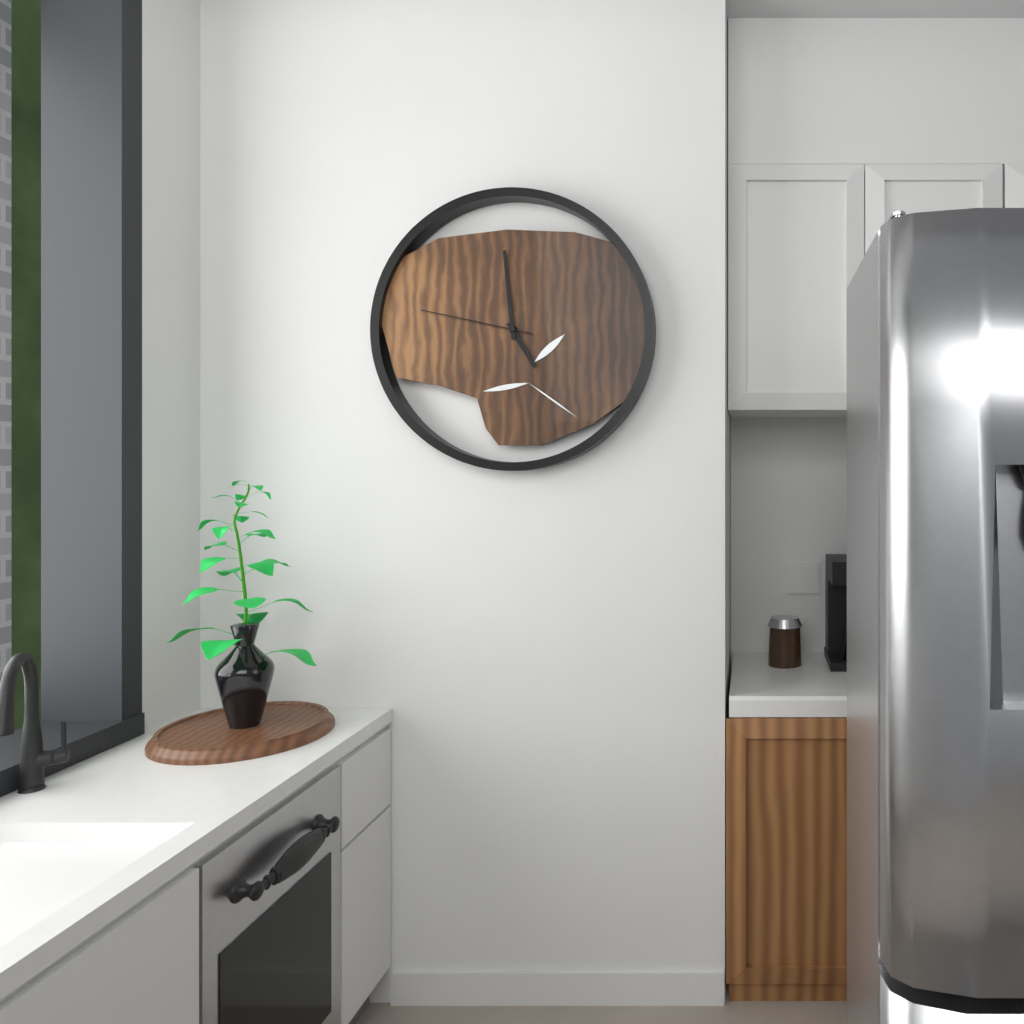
{"hour": 4, "minute": 59, "second": 47}
